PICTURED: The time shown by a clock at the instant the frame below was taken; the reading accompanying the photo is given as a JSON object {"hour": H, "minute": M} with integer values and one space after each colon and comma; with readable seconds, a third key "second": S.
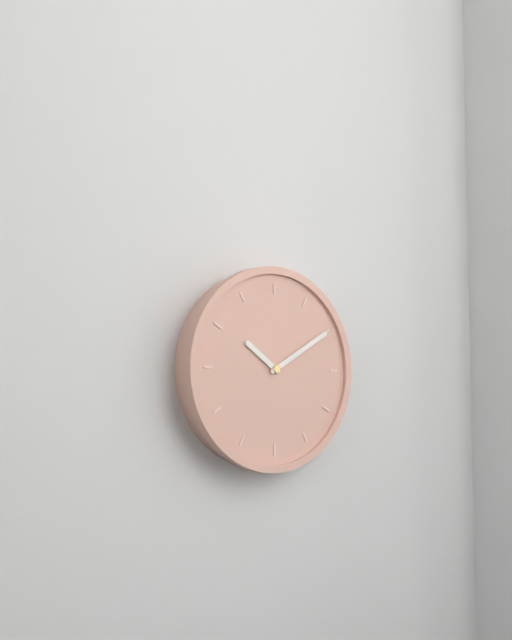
{"hour": 10, "minute": 10}
